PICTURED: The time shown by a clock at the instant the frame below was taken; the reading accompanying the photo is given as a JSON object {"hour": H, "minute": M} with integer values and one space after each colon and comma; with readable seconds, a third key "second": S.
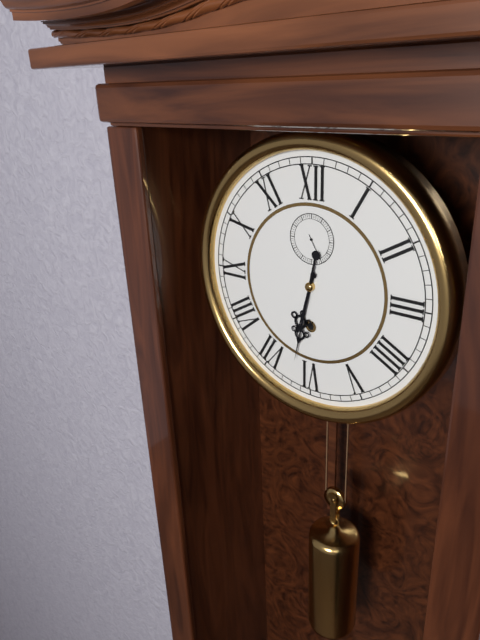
{"hour": 6, "minute": 32}
